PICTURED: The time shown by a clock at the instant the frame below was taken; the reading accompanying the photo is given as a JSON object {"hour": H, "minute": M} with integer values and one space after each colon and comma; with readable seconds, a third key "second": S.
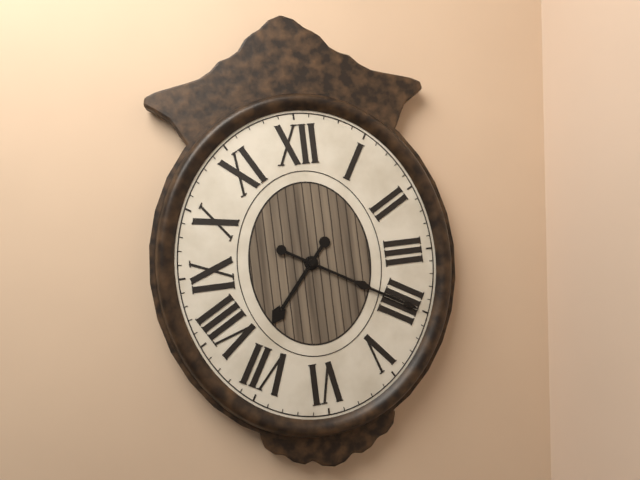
{"hour": 7, "minute": 20}
